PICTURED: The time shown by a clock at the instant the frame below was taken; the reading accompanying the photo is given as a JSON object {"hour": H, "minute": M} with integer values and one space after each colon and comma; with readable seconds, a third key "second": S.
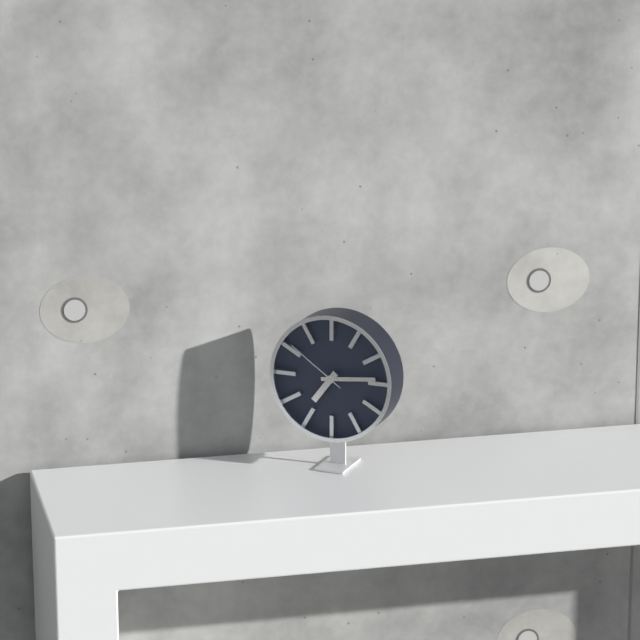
{"hour": 7, "minute": 14, "second": 51}
